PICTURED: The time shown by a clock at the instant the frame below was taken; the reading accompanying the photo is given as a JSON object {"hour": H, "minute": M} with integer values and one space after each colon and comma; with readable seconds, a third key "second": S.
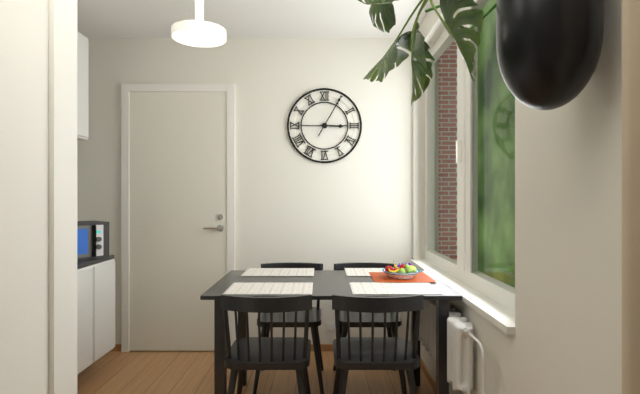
{"hour": 3, "minute": 5}
